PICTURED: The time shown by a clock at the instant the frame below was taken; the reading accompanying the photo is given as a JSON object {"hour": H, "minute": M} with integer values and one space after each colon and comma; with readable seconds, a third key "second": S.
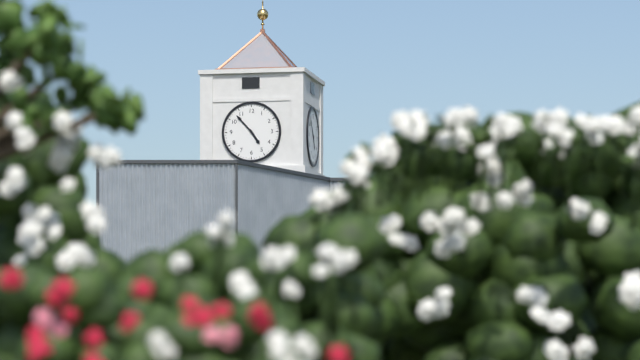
{"hour": 4, "minute": 53}
